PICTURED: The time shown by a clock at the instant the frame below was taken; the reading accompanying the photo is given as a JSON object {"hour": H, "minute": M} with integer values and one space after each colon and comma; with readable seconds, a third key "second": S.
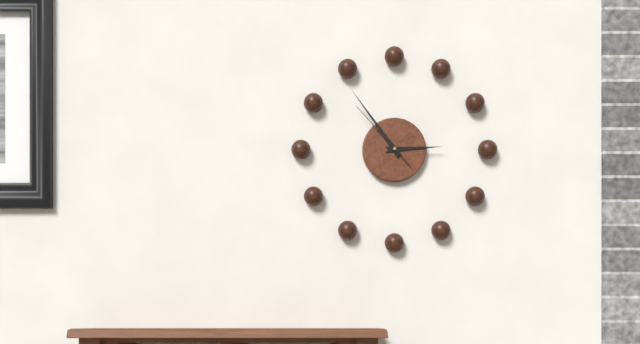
{"hour": 2, "minute": 54, "second": 53}
